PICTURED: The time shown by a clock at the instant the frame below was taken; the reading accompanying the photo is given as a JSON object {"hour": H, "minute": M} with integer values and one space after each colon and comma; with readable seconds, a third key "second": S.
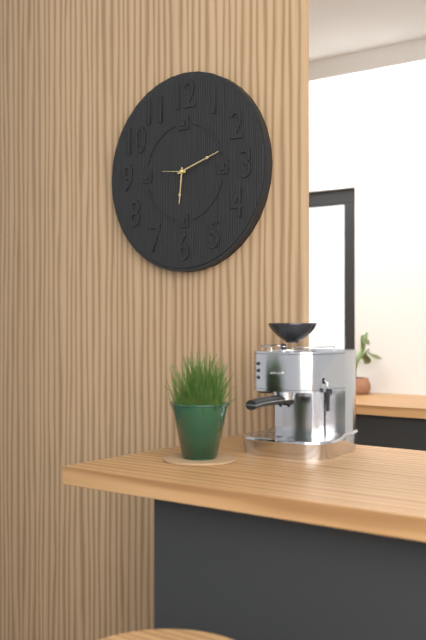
{"hour": 6, "minute": 12}
